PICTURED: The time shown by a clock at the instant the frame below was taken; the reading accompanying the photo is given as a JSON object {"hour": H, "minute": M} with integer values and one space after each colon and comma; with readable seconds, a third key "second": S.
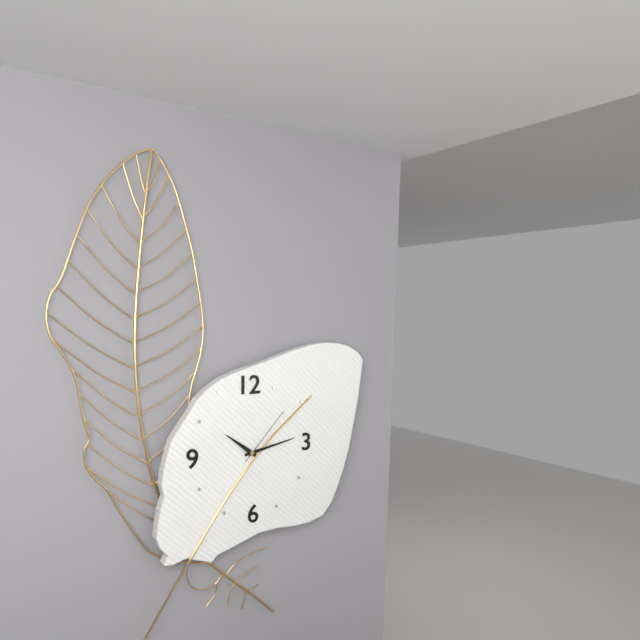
{"hour": 10, "minute": 13, "second": 7}
